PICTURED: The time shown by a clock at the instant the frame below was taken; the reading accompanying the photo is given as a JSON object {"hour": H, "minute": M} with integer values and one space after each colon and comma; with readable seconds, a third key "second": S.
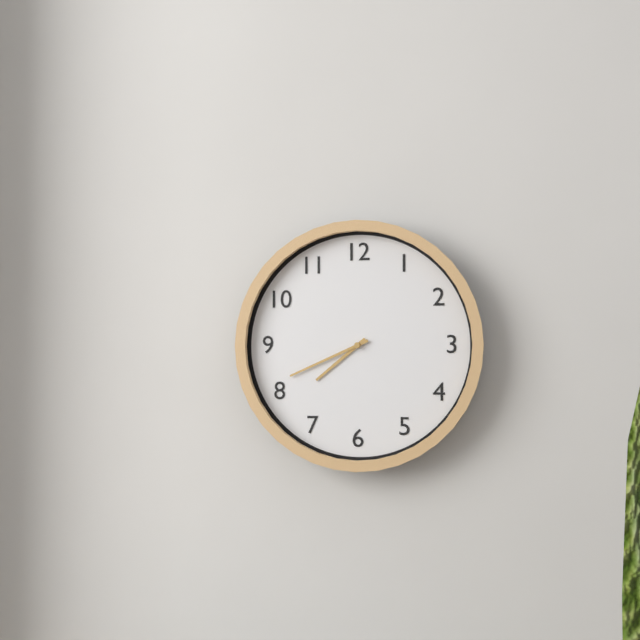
{"hour": 7, "minute": 41}
